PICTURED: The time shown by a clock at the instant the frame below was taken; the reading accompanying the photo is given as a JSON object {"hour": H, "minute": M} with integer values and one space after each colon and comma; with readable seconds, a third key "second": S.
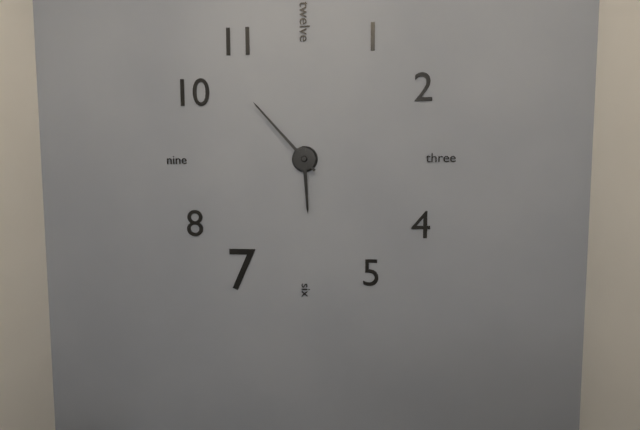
{"hour": 5, "minute": 53}
